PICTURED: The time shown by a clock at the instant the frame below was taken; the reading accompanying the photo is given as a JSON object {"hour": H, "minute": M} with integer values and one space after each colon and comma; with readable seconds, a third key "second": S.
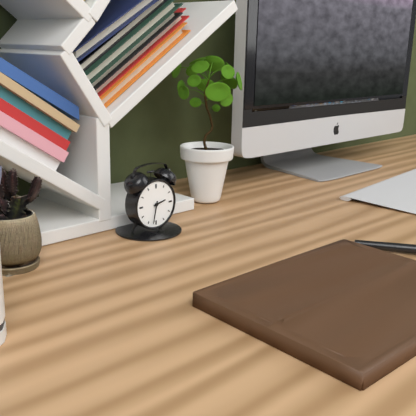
{"hour": 2, "minute": 32}
